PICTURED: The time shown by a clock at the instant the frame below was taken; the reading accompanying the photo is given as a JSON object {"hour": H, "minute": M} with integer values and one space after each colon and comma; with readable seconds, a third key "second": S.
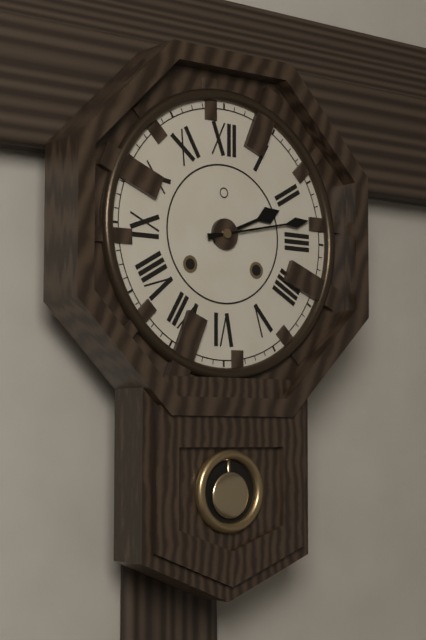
{"hour": 2, "minute": 13}
